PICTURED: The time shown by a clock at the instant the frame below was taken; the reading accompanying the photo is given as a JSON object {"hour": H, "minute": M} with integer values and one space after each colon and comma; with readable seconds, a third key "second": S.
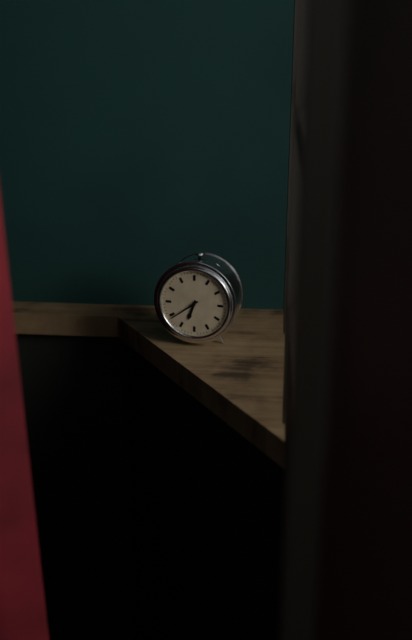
{"hour": 6, "minute": 39}
